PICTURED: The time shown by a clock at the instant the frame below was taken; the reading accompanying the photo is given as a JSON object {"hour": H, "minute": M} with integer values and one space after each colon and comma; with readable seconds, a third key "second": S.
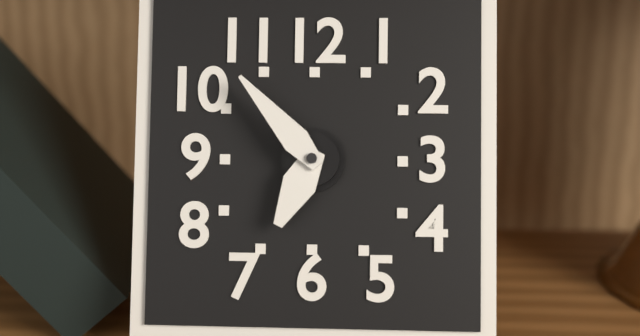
{"hour": 6, "minute": 53}
